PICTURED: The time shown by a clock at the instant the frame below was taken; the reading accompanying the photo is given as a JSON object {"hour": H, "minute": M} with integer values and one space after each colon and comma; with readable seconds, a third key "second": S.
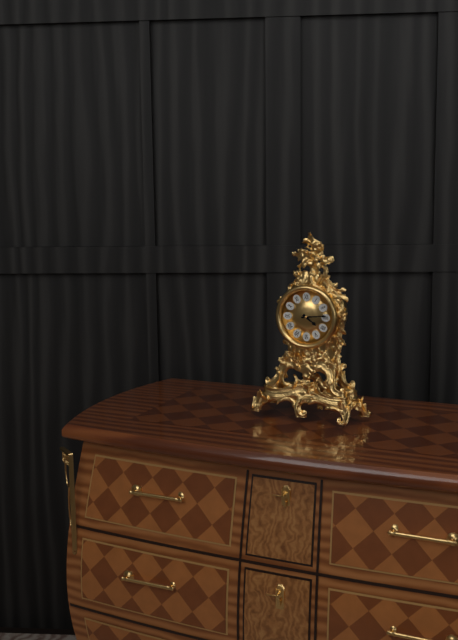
{"hour": 4, "minute": 14}
